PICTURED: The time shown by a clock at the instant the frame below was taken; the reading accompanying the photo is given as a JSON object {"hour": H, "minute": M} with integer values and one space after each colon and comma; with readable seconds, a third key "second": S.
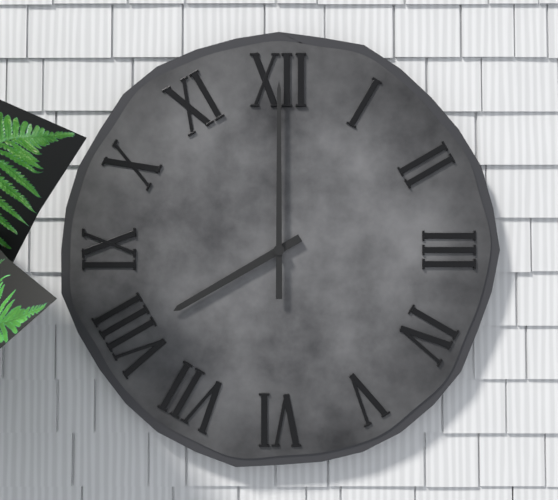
{"hour": 8, "minute": 0}
